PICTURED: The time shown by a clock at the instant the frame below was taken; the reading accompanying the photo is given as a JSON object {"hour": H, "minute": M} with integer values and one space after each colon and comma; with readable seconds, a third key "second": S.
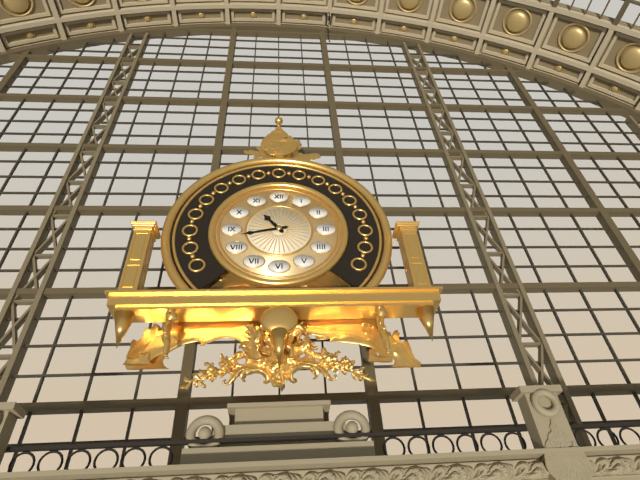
{"hour": 10, "minute": 43}
